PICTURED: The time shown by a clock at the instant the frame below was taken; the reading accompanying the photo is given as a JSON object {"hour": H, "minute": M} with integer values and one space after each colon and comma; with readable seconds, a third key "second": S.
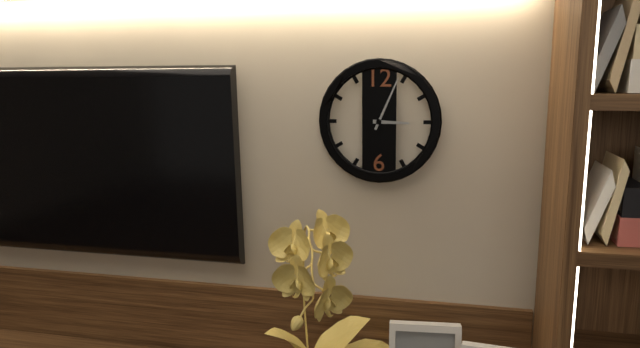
{"hour": 3, "minute": 4}
